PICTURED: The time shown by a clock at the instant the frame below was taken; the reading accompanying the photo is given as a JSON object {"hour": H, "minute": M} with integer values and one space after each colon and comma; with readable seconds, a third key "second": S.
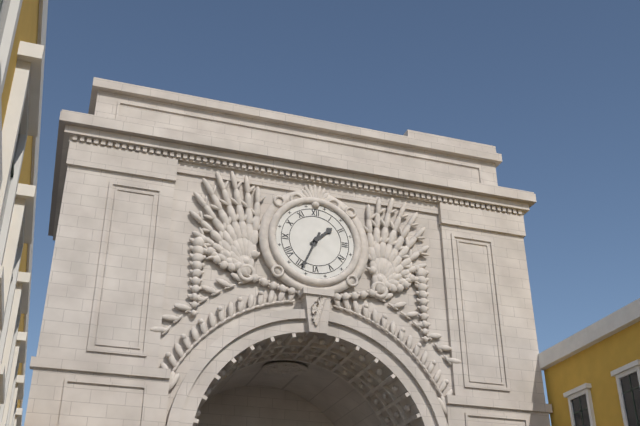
{"hour": 1, "minute": 34}
